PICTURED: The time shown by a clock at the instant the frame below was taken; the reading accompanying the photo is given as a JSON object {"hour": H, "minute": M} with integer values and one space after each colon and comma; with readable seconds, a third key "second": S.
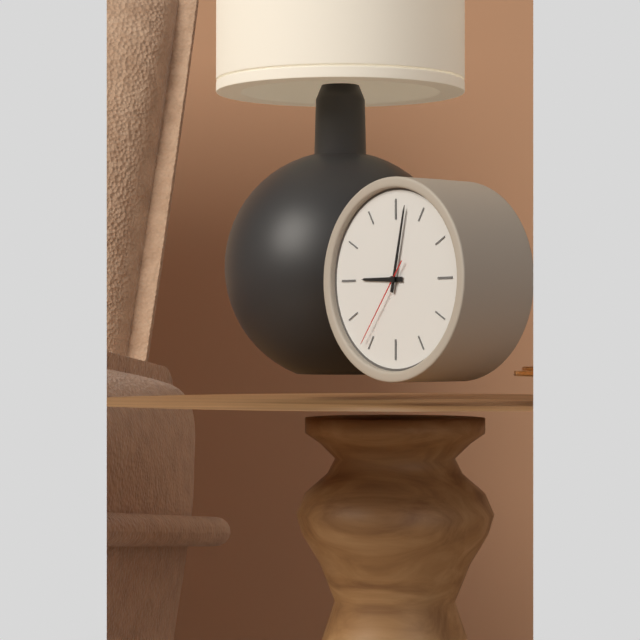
{"hour": 9, "minute": 2, "second": 36}
